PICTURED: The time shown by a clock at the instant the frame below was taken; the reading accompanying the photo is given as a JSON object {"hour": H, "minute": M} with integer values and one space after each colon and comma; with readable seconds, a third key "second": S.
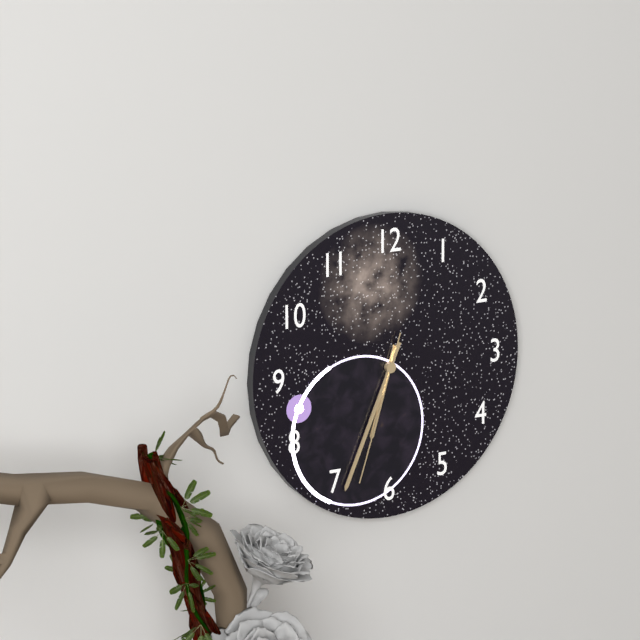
{"hour": 6, "minute": 34, "second": 33}
